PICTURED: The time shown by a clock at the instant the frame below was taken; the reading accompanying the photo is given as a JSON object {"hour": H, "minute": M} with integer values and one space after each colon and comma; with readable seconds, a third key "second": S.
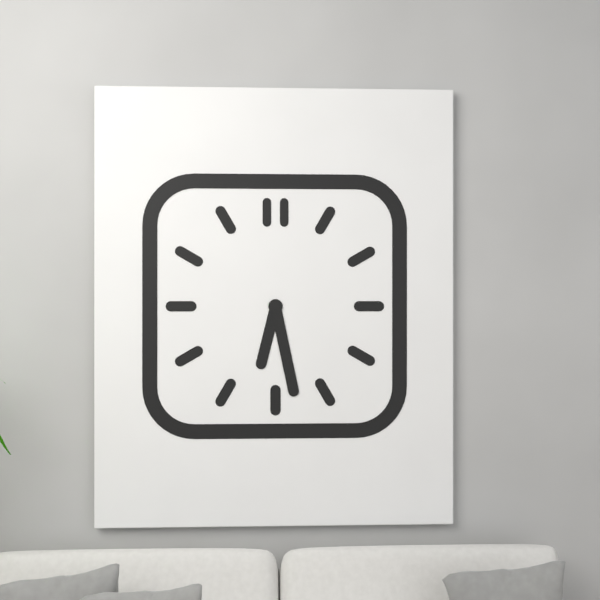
{"hour": 6, "minute": 28}
